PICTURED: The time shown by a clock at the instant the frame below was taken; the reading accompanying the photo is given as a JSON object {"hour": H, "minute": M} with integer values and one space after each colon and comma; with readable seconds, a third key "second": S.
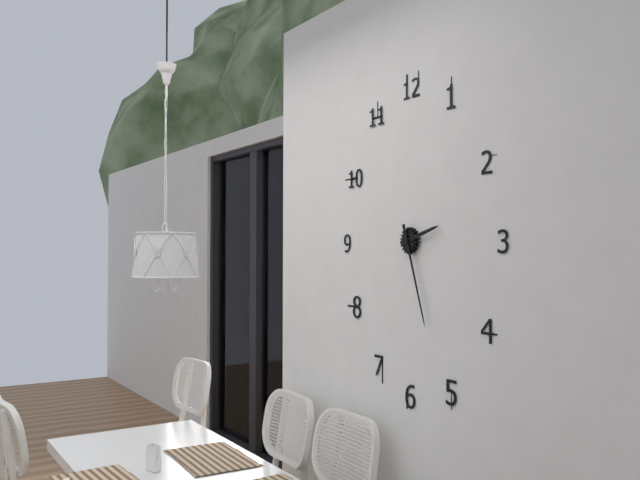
{"hour": 2, "minute": 27}
